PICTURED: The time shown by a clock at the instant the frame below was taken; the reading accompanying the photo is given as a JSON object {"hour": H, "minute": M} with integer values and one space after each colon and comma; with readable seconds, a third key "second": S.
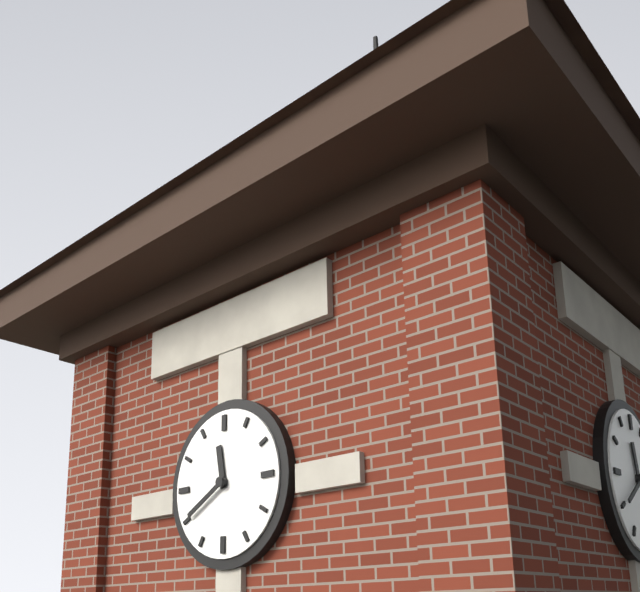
{"hour": 11, "minute": 40}
